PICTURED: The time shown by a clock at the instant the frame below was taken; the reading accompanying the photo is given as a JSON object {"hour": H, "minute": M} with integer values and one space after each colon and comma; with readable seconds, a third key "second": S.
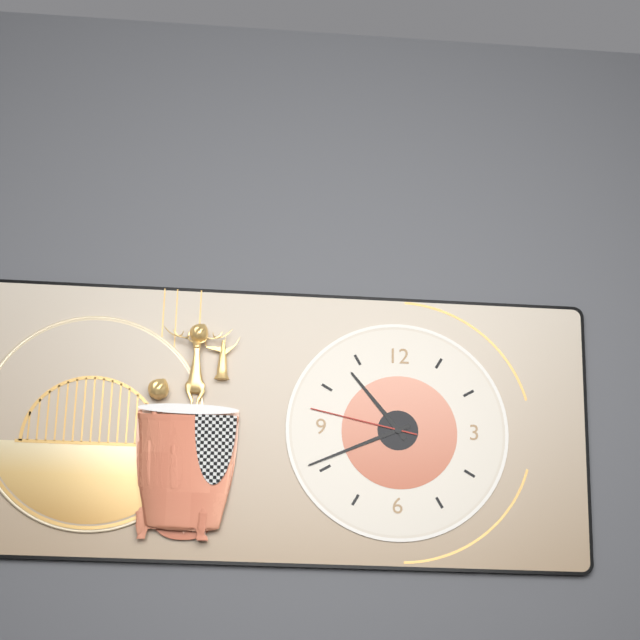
{"hour": 10, "minute": 41, "second": 47}
